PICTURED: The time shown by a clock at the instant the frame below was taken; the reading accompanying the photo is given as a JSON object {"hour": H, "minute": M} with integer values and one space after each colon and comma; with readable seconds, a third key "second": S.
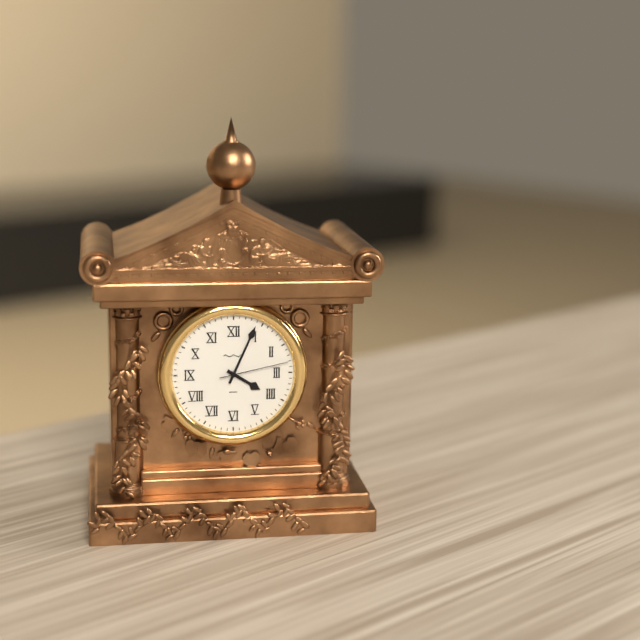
{"hour": 4, "minute": 4, "second": 13}
